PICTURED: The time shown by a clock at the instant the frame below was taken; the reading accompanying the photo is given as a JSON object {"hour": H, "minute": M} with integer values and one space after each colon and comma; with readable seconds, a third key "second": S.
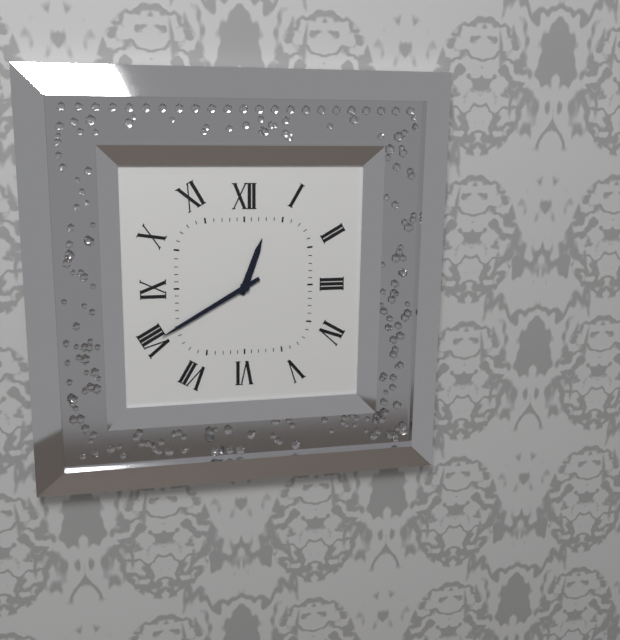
{"hour": 12, "minute": 40}
